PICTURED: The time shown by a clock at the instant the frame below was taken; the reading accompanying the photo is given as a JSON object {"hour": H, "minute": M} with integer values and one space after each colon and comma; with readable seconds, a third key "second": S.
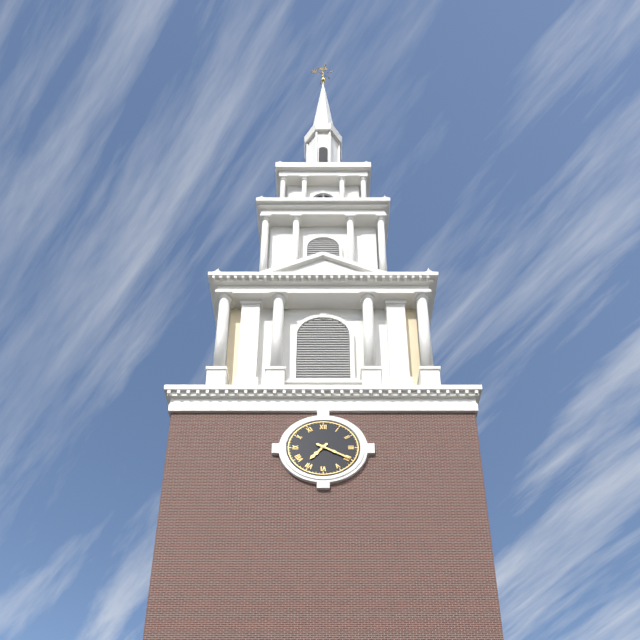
{"hour": 7, "minute": 20}
